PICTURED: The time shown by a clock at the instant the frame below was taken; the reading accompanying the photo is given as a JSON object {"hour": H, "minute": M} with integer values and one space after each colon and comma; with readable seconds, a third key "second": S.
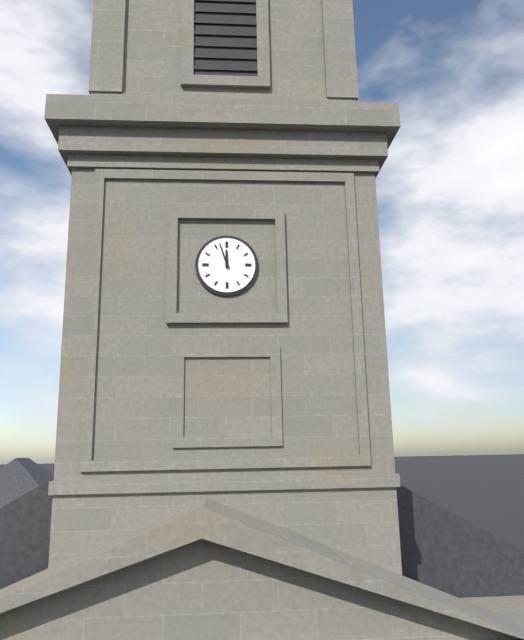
{"hour": 11, "minute": 57}
